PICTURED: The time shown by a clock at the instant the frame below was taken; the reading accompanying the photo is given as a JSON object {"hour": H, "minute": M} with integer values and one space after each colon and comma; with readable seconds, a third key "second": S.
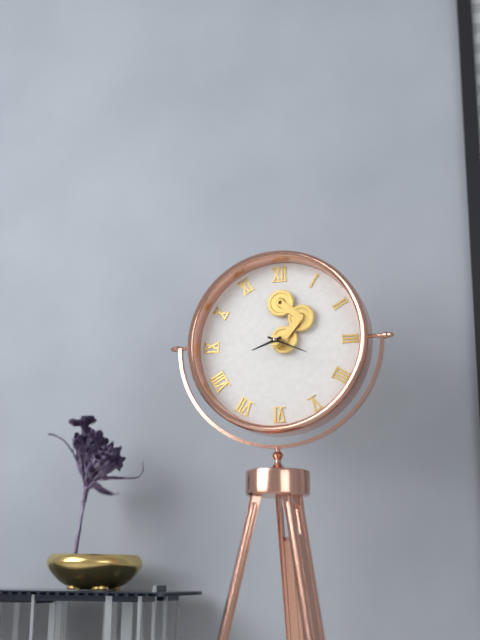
{"hour": 8, "minute": 19}
